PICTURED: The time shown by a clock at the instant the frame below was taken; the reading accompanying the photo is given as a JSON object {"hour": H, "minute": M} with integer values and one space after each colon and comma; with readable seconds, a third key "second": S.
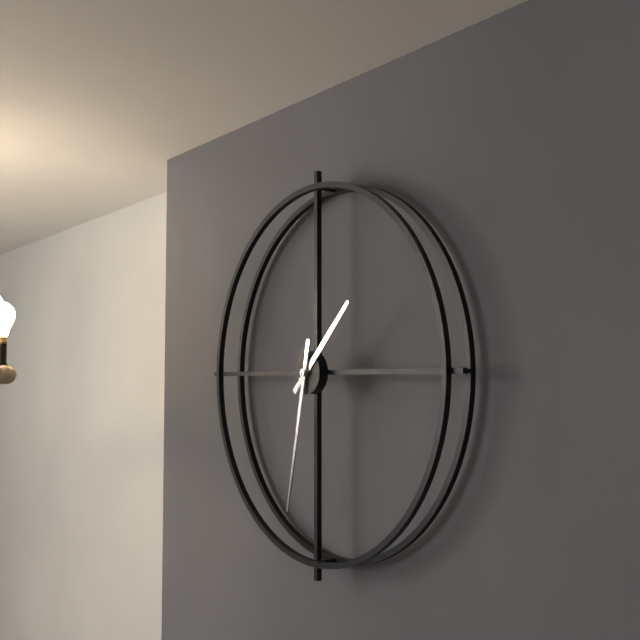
{"hour": 1, "minute": 32}
